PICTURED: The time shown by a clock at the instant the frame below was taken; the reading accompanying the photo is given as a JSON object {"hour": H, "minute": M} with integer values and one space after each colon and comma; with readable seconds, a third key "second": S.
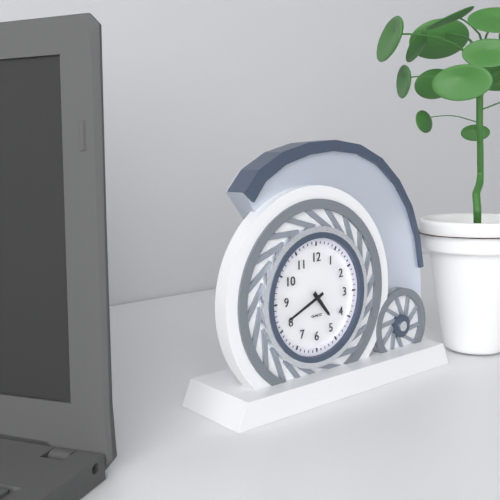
{"hour": 4, "minute": 41}
